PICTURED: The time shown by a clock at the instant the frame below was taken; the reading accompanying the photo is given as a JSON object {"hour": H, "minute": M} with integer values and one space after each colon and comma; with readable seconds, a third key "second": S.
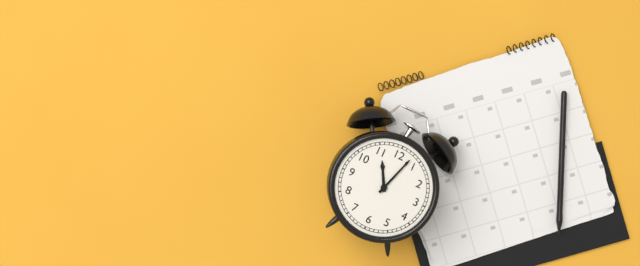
{"hour": 11, "minute": 3}
